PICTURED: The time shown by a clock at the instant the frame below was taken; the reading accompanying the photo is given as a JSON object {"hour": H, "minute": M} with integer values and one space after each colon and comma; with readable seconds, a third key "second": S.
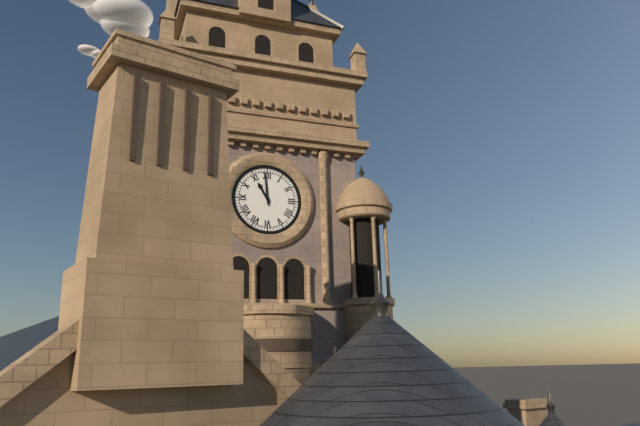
{"hour": 10, "minute": 59}
